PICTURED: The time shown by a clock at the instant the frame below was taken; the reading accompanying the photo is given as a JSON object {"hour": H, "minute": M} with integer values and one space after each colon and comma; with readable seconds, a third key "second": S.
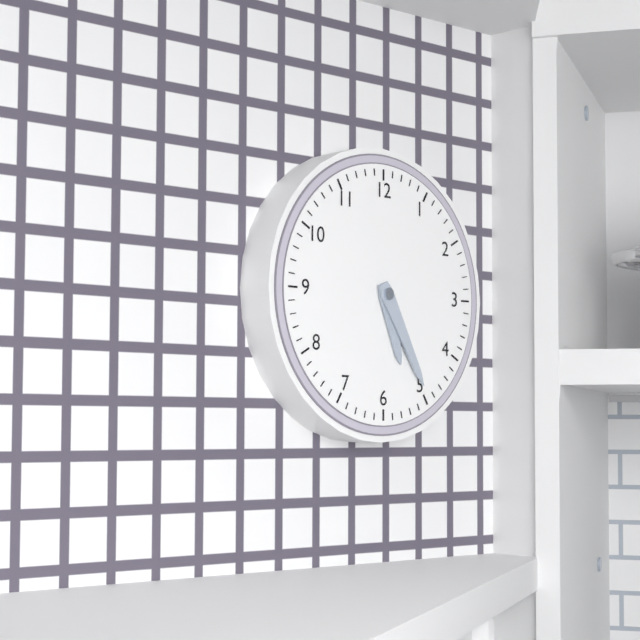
{"hour": 5, "minute": 25}
